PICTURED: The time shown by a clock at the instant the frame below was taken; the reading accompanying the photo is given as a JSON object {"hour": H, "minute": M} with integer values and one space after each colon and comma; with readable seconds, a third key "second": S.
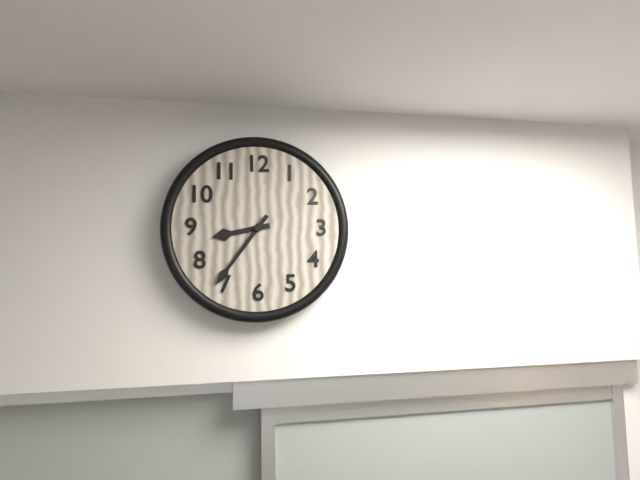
{"hour": 8, "minute": 36}
